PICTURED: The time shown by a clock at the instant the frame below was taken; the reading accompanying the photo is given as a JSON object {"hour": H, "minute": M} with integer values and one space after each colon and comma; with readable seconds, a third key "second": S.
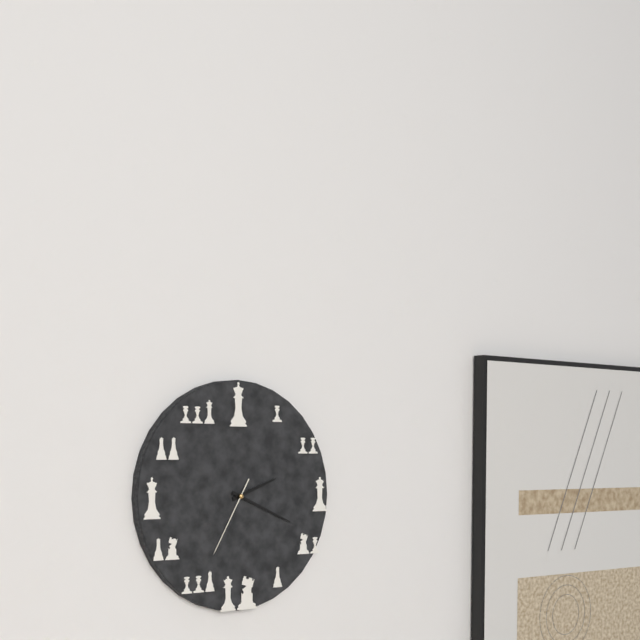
{"hour": 2, "minute": 19, "second": 35}
